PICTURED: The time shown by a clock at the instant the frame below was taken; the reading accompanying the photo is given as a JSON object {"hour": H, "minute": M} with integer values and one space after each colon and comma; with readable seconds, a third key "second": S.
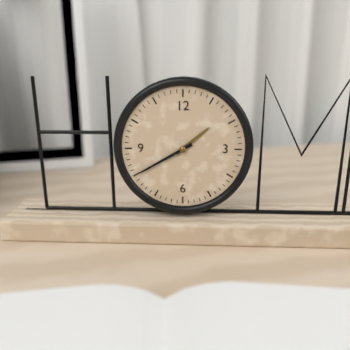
{"hour": 1, "minute": 40}
